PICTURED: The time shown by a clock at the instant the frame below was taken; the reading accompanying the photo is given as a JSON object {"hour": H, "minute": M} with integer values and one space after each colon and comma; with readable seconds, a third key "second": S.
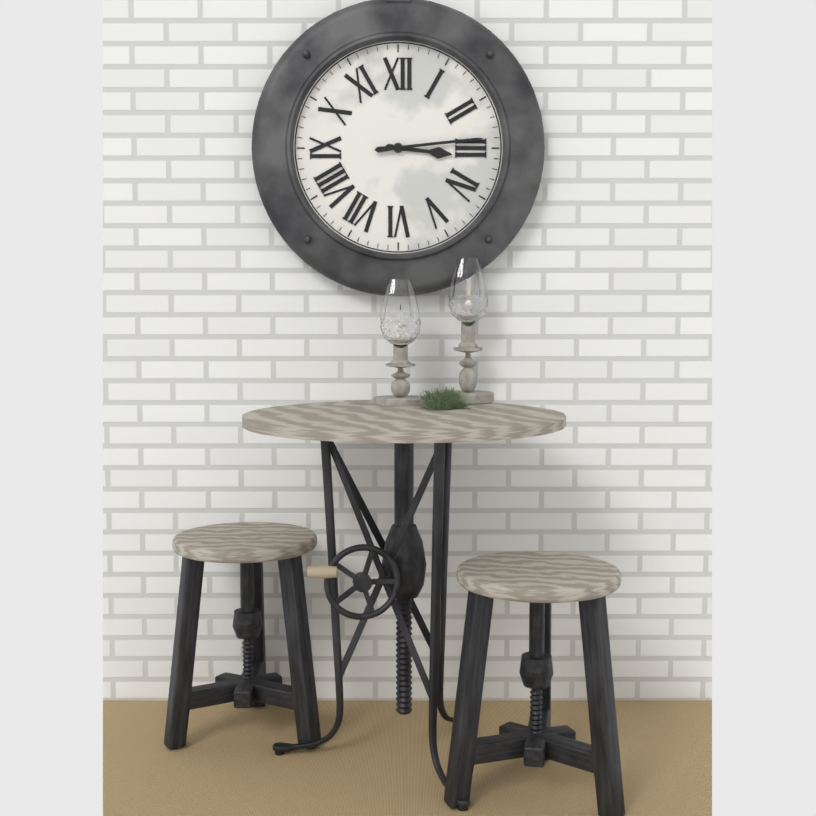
{"hour": 3, "minute": 14}
